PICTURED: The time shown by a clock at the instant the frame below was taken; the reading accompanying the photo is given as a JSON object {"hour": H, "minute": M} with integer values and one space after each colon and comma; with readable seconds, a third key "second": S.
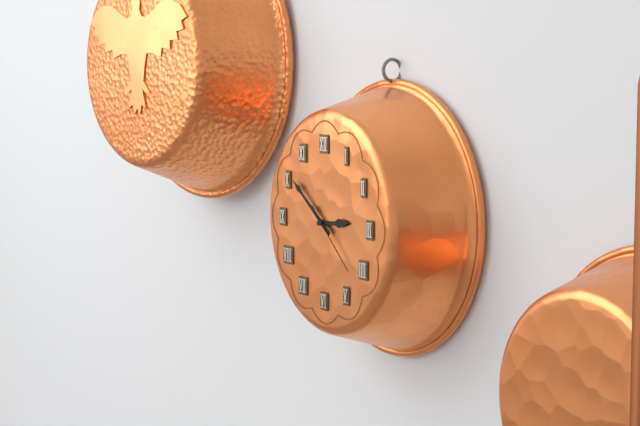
{"hour": 2, "minute": 51, "second": 22}
